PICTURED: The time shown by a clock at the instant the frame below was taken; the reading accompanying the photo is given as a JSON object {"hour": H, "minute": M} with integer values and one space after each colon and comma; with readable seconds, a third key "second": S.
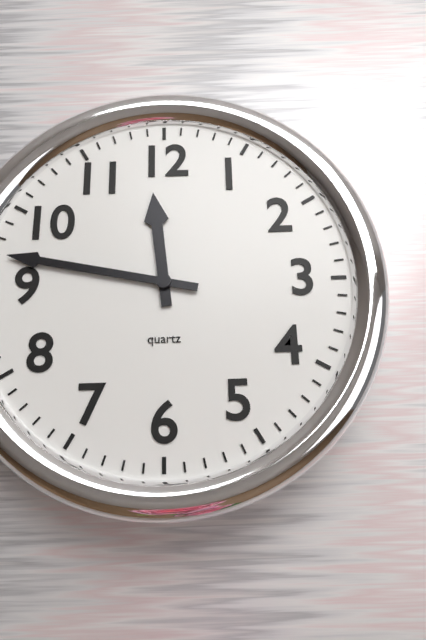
{"hour": 11, "minute": 47}
